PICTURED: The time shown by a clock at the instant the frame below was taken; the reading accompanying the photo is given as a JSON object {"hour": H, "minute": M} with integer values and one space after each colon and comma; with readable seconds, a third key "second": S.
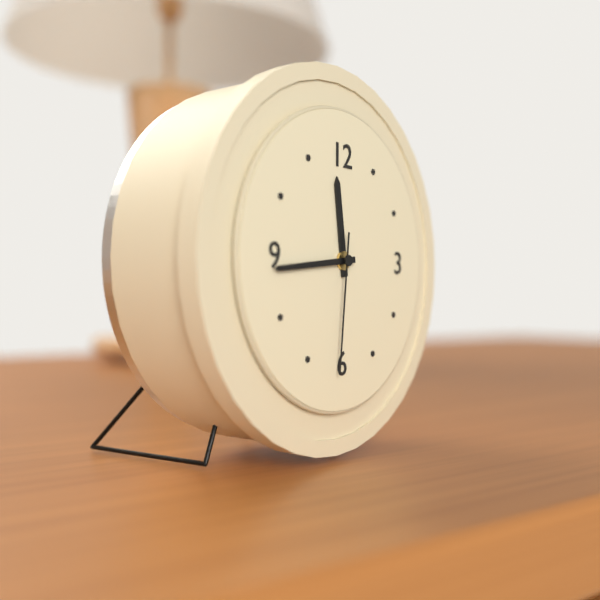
{"hour": 11, "minute": 44, "second": 31}
